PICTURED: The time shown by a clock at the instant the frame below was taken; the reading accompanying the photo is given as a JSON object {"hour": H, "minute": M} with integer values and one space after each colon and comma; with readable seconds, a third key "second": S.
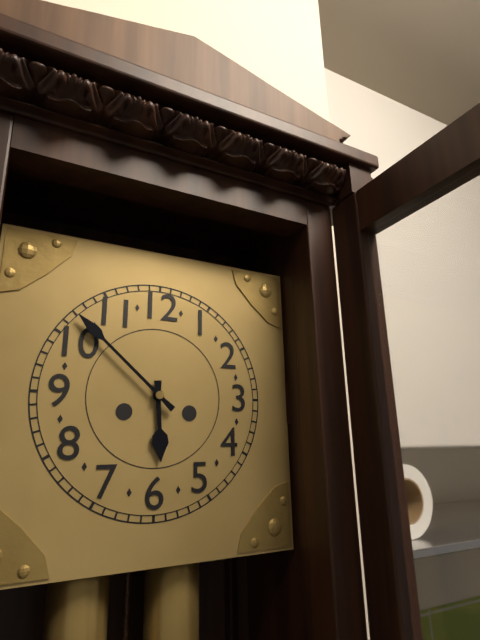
{"hour": 5, "minute": 52}
